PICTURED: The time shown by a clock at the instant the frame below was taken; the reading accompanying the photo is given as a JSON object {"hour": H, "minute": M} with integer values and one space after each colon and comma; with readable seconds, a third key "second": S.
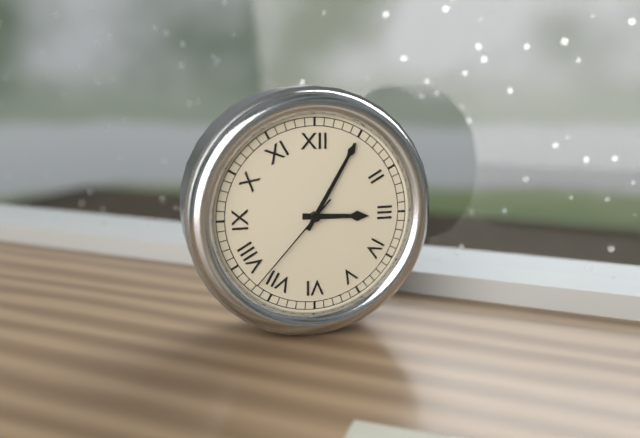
{"hour": 3, "minute": 5, "second": 37}
